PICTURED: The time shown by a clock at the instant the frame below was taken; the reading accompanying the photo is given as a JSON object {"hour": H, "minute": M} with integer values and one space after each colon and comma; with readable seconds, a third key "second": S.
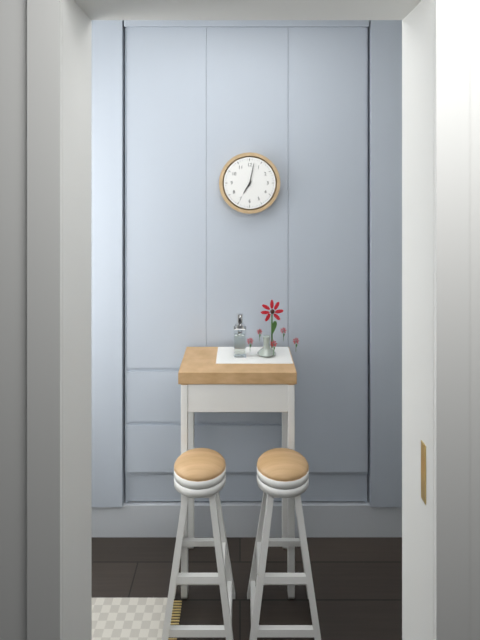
{"hour": 7, "minute": 2}
